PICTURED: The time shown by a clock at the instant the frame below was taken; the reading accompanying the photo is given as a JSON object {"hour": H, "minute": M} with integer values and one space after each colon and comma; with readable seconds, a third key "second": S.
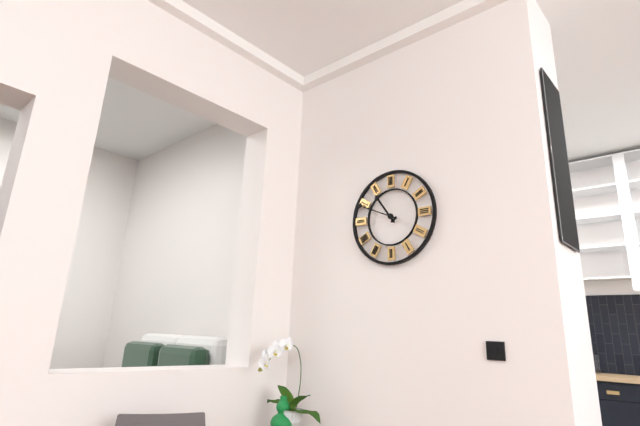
{"hour": 10, "minute": 49}
